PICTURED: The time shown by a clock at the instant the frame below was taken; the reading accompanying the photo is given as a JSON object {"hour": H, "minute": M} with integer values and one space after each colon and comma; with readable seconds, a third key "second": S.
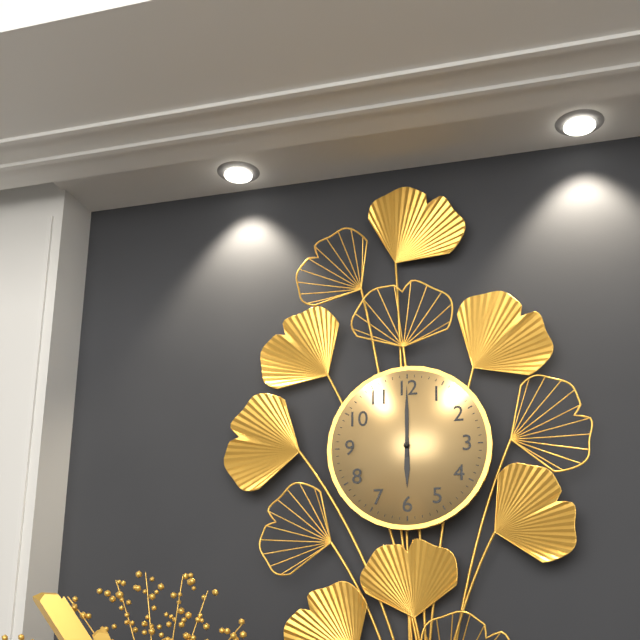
{"hour": 6, "minute": 0}
